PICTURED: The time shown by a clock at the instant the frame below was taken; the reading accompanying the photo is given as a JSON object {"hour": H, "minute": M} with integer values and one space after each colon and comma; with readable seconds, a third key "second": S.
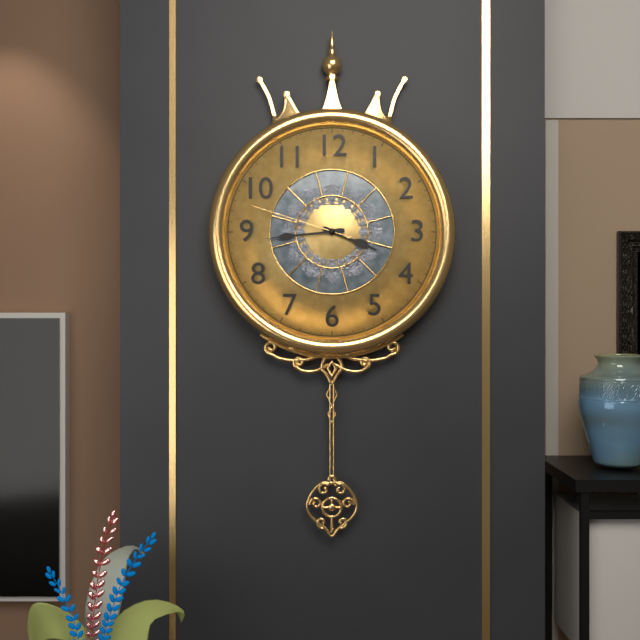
{"hour": 3, "minute": 44, "second": 48}
